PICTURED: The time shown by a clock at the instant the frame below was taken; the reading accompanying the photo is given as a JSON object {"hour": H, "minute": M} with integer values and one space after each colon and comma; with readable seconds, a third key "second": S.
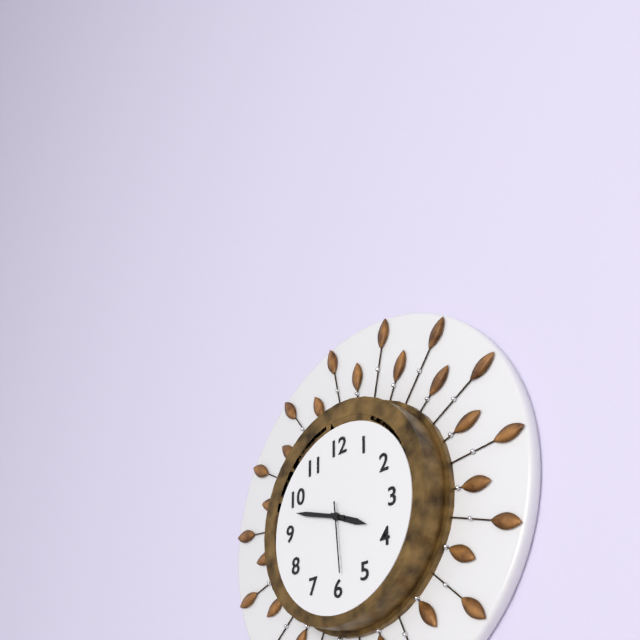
{"hour": 3, "minute": 48, "second": 29}
